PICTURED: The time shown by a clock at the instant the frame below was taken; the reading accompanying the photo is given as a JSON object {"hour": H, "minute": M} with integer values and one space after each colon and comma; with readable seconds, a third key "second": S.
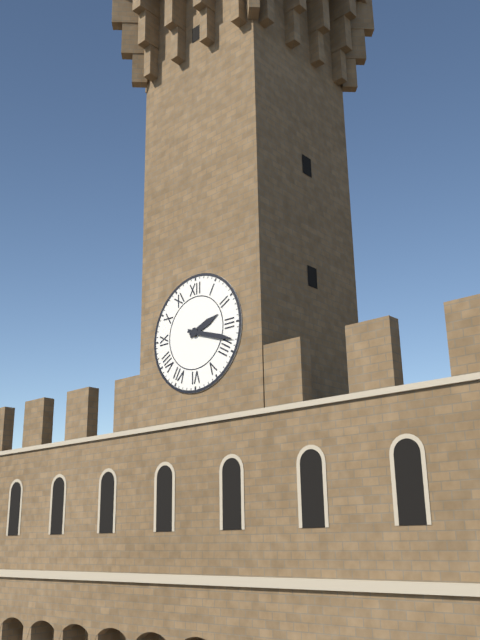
{"hour": 2, "minute": 18}
